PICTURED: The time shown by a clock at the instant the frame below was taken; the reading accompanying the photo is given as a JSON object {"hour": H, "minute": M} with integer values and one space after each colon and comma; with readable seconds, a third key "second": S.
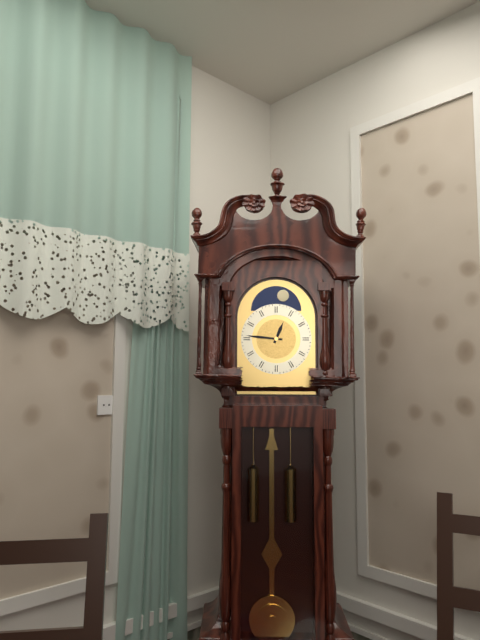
{"hour": 12, "minute": 46}
